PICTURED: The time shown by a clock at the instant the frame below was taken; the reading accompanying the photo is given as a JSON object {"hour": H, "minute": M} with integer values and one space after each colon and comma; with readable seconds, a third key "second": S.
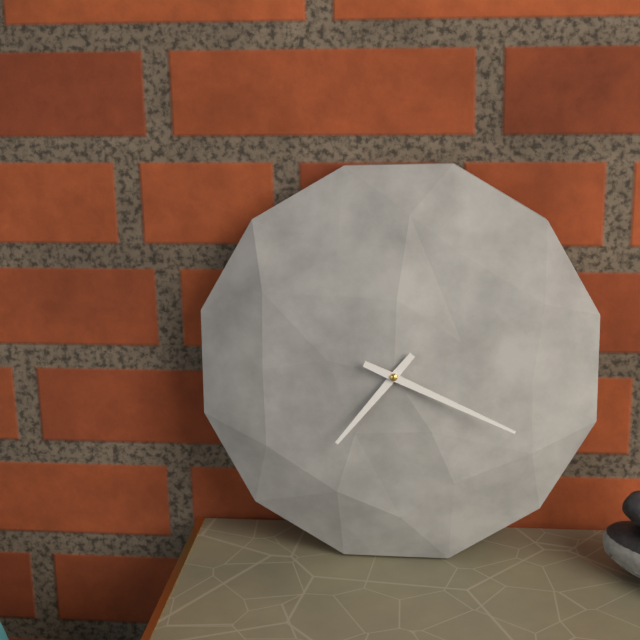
{"hour": 7, "minute": 19}
